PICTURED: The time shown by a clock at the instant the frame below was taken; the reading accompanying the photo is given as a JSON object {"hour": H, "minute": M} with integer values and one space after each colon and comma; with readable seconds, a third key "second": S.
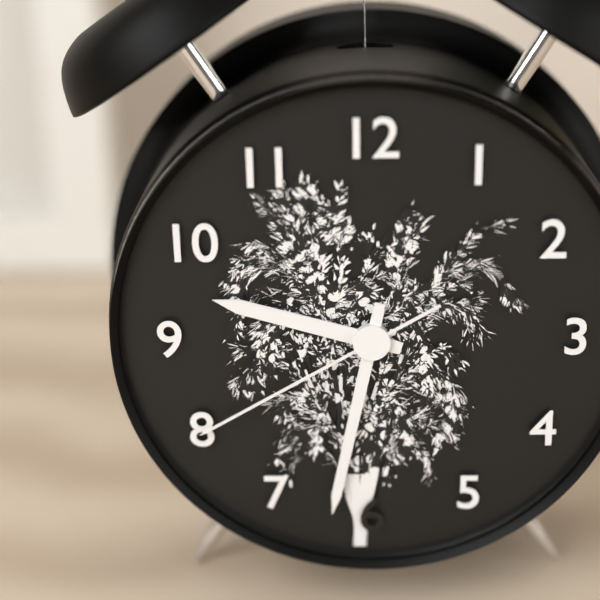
{"hour": 9, "minute": 32, "second": 40}
